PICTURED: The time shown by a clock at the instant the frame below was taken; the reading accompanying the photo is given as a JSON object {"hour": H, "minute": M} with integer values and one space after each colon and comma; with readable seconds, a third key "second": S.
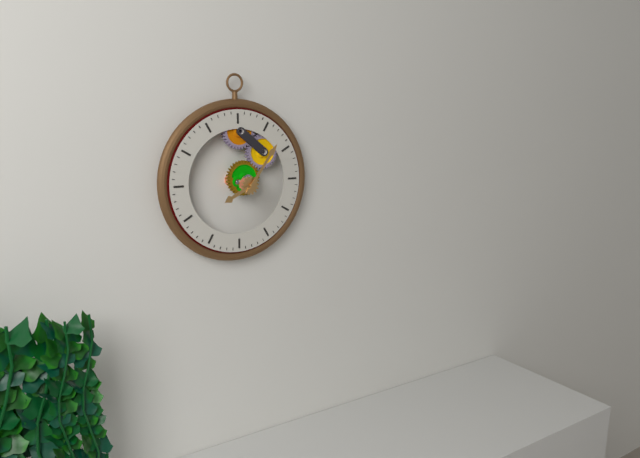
{"hour": 8, "minute": 6}
